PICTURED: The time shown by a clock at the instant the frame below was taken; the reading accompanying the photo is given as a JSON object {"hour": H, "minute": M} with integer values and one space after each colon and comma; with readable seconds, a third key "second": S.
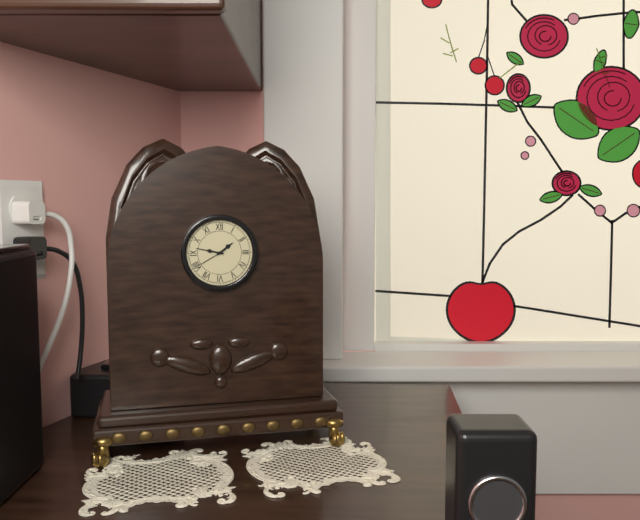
{"hour": 1, "minute": 47}
